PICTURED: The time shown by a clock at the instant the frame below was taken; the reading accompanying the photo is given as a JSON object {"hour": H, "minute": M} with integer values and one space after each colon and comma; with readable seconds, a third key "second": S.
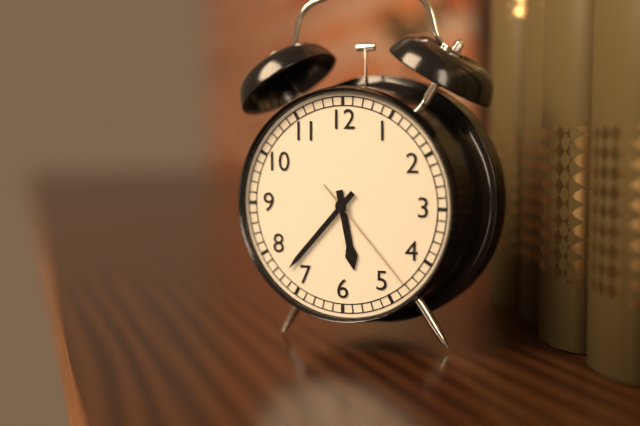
{"hour": 5, "minute": 37, "second": 23}
